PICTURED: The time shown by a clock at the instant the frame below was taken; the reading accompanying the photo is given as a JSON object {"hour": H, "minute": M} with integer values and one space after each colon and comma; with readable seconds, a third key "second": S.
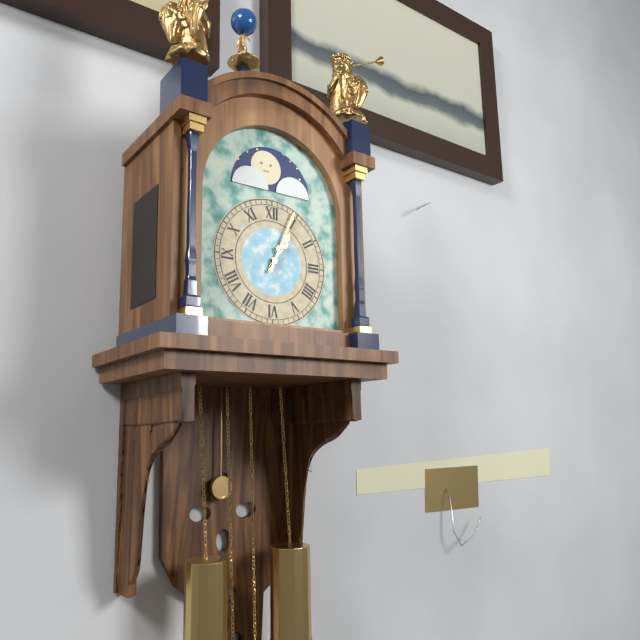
{"hour": 1, "minute": 4}
